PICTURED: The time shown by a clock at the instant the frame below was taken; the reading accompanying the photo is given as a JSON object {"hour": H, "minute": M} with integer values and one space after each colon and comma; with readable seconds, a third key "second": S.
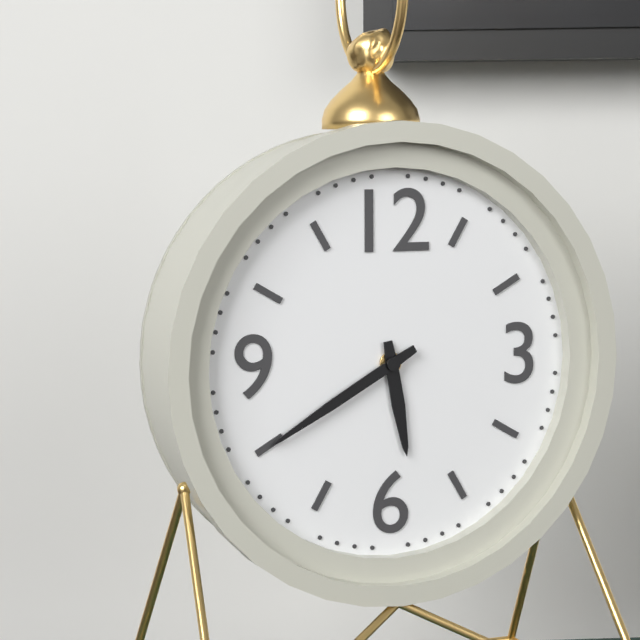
{"hour": 5, "minute": 40}
